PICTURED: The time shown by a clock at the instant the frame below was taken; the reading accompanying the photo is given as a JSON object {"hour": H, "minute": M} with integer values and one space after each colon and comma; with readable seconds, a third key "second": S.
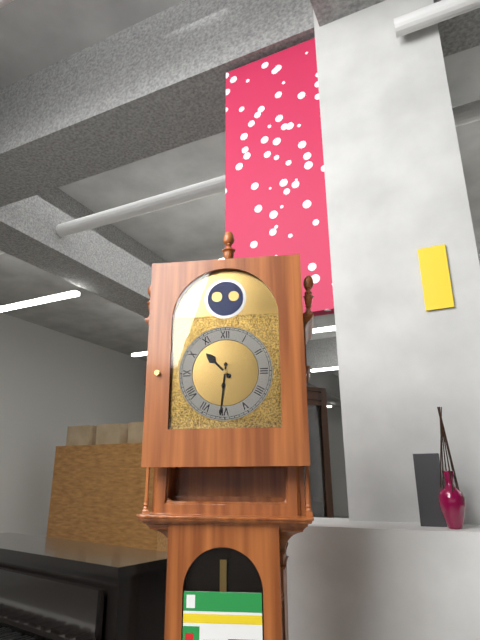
{"hour": 10, "minute": 31}
